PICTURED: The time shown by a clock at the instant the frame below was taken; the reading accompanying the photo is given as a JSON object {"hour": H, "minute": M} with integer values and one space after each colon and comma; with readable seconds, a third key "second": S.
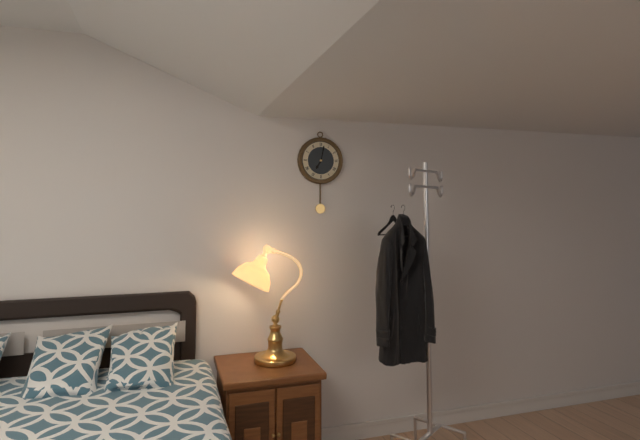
{"hour": 7, "minute": 2}
